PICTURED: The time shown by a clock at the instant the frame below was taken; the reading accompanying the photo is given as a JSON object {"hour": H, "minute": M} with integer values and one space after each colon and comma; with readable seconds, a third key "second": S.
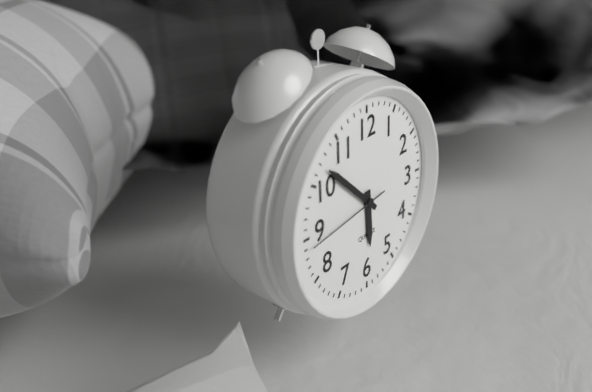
{"hour": 5, "minute": 52, "second": 44}
